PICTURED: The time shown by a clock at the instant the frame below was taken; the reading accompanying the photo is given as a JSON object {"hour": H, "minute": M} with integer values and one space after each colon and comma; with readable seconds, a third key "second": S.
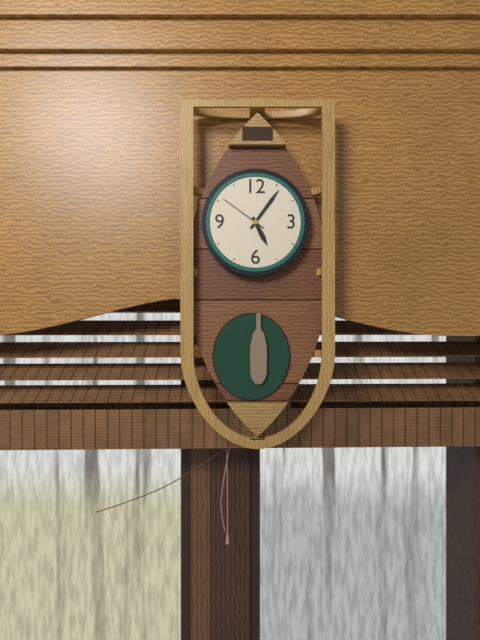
{"hour": 5, "minute": 6}
